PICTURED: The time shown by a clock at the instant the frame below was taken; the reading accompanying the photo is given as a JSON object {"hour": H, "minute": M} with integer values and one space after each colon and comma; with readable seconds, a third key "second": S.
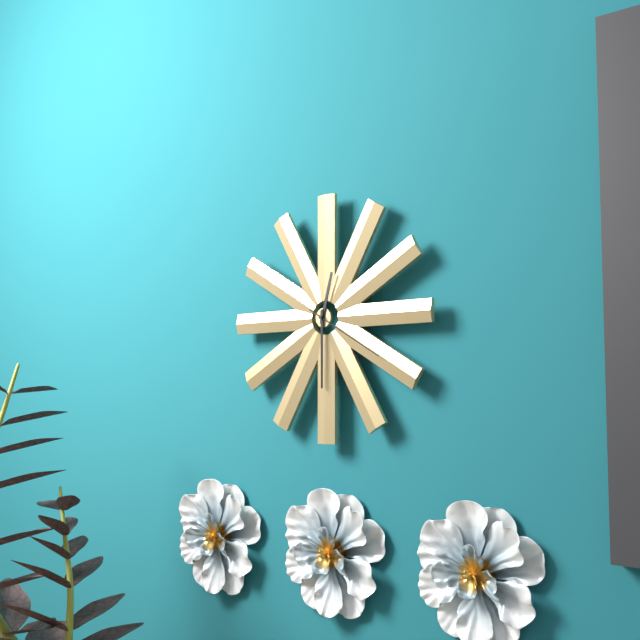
{"hour": 12, "minute": 30, "second": 20}
